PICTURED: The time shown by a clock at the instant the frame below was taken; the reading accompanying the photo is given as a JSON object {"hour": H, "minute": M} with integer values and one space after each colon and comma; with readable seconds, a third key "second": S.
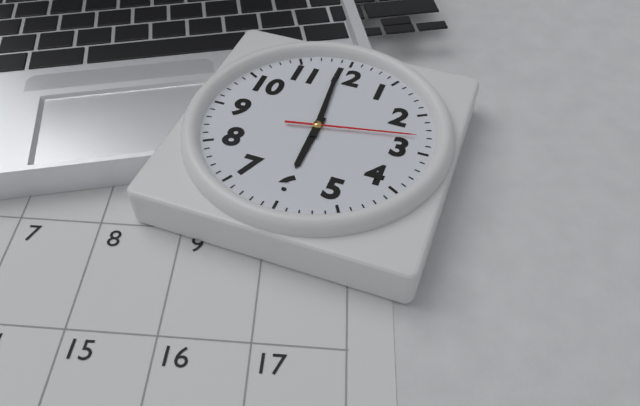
{"hour": 5, "minute": 59, "second": 13}
